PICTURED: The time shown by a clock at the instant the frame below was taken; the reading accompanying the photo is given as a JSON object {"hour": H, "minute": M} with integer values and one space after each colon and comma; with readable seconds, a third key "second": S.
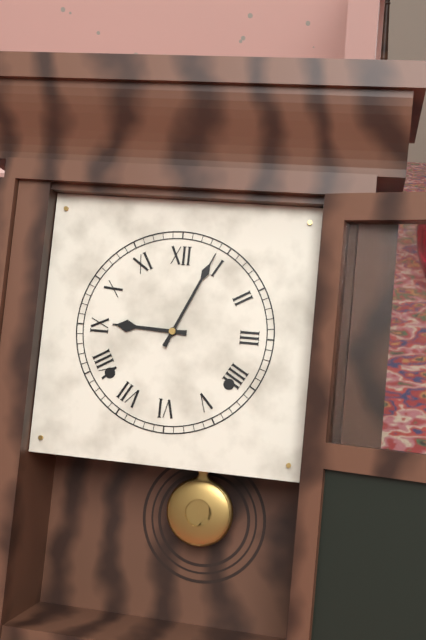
{"hour": 9, "minute": 4}
